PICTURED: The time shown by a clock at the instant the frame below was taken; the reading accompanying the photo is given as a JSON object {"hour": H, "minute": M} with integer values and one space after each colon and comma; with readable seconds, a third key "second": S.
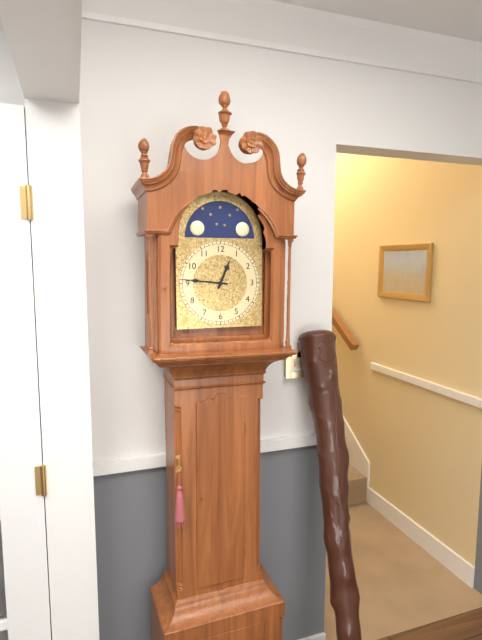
{"hour": 12, "minute": 46}
